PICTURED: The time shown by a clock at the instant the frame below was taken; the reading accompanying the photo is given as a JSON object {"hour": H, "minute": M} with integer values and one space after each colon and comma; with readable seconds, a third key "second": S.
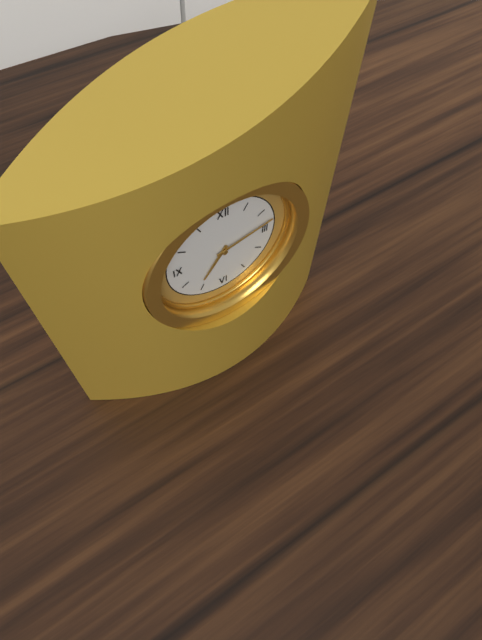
{"hour": 7, "minute": 13}
